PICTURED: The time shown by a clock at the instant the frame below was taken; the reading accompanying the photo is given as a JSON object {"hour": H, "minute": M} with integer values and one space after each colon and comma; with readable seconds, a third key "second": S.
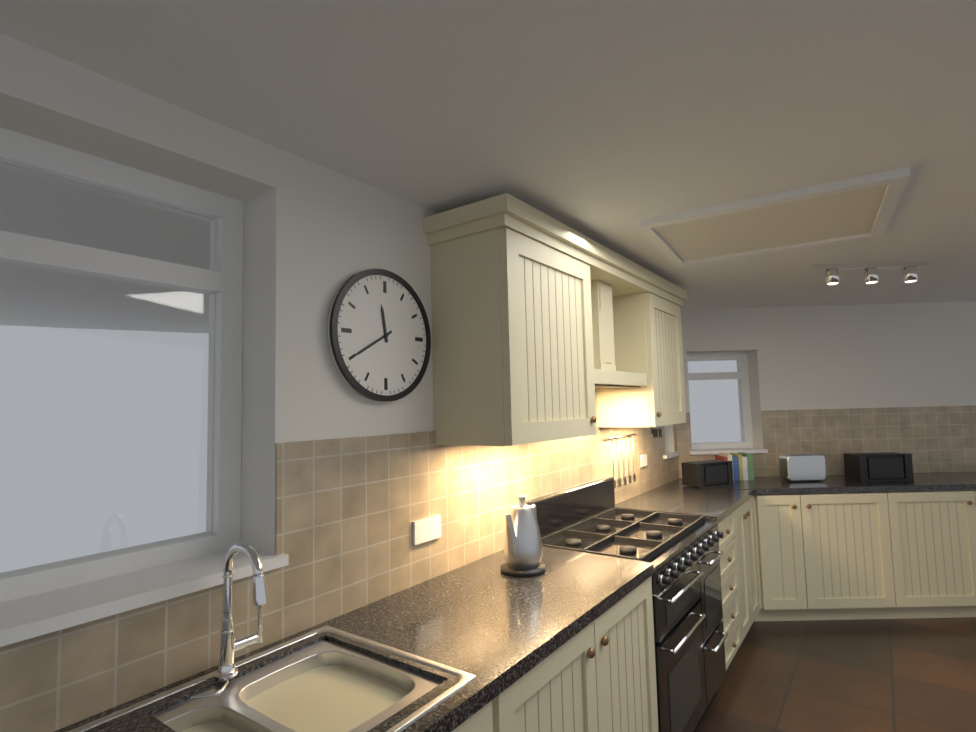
{"hour": 11, "minute": 40}
